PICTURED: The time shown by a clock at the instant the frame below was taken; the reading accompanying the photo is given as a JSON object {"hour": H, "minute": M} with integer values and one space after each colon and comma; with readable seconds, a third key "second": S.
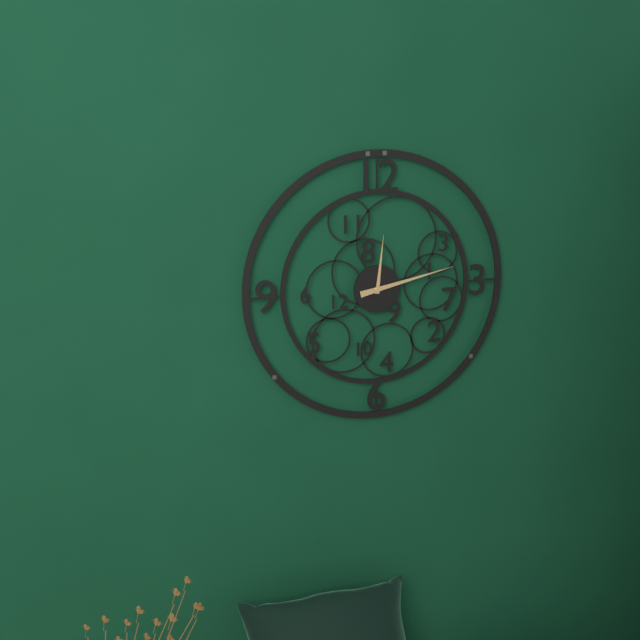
{"hour": 12, "minute": 13}
